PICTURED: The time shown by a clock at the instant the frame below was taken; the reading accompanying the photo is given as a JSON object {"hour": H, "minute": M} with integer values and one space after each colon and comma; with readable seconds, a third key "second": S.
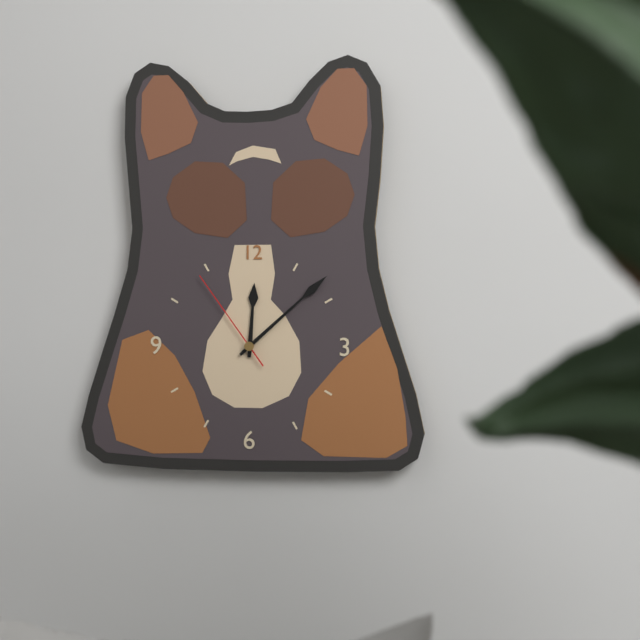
{"hour": 12, "minute": 8, "second": 54}
